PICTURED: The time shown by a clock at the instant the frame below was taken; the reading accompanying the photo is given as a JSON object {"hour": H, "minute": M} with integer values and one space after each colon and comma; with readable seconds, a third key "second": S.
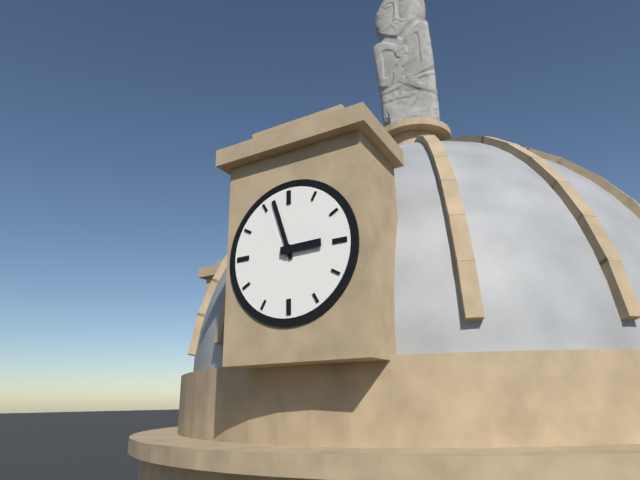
{"hour": 2, "minute": 57}
